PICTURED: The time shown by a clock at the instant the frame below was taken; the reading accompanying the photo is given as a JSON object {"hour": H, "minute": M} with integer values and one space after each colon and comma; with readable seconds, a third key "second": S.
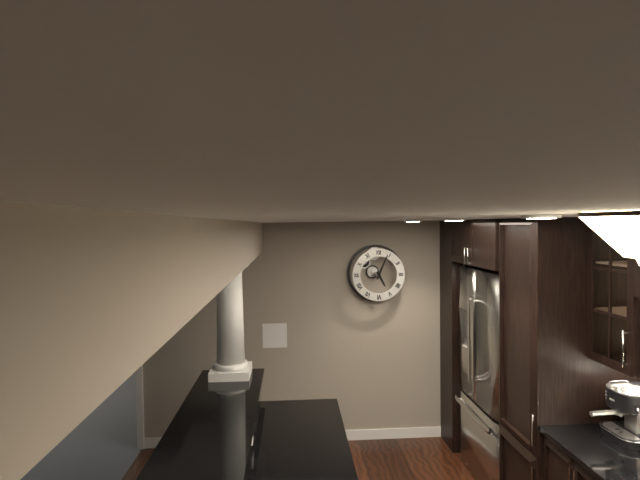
{"hour": 5, "minute": 4}
